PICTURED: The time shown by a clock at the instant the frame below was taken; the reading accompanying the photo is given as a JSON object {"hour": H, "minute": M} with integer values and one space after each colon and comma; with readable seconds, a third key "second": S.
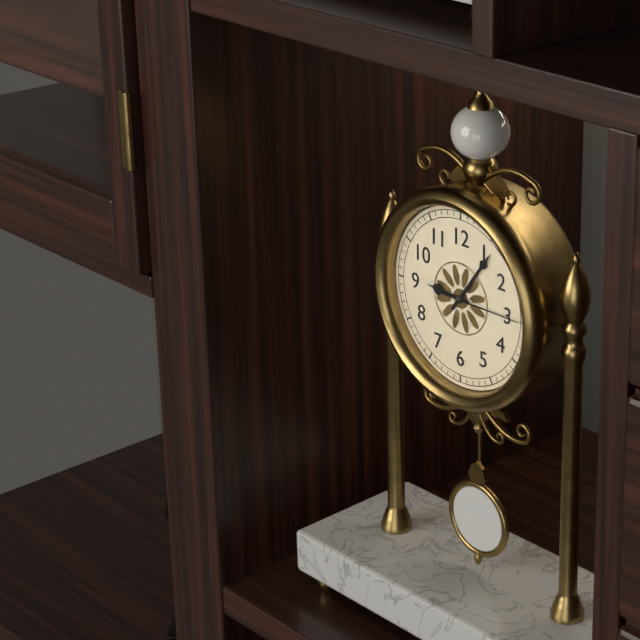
{"hour": 9, "minute": 6, "second": 15}
